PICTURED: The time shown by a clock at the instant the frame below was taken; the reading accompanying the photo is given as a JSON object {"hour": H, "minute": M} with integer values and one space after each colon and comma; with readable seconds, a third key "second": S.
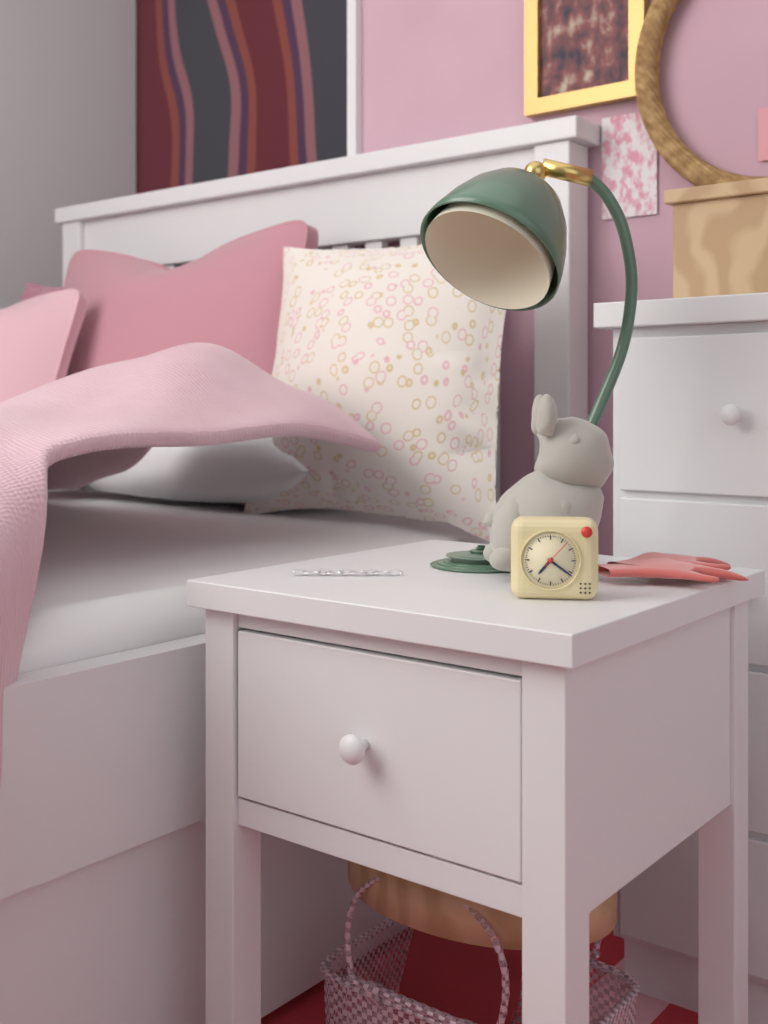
{"hour": 7, "minute": 21}
